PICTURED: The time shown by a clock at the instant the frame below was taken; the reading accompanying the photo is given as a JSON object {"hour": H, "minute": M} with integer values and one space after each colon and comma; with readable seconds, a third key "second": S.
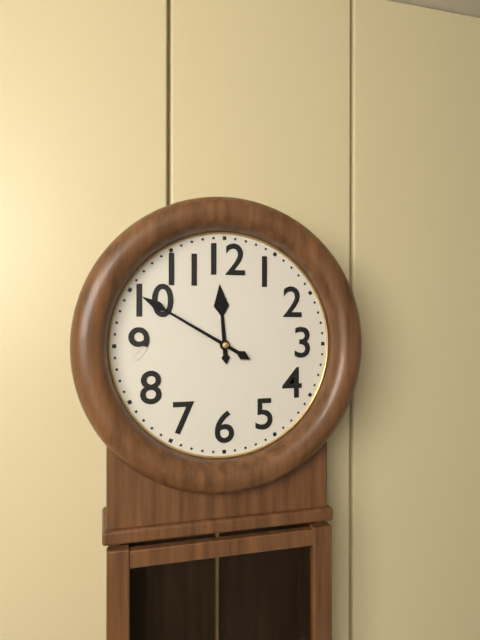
{"hour": 11, "minute": 50}
